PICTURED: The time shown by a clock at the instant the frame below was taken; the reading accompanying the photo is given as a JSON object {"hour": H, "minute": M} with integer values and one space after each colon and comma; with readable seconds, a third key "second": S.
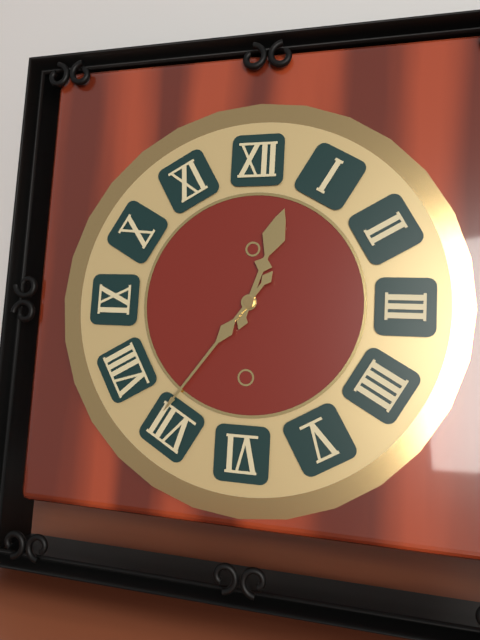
{"hour": 12, "minute": 36}
